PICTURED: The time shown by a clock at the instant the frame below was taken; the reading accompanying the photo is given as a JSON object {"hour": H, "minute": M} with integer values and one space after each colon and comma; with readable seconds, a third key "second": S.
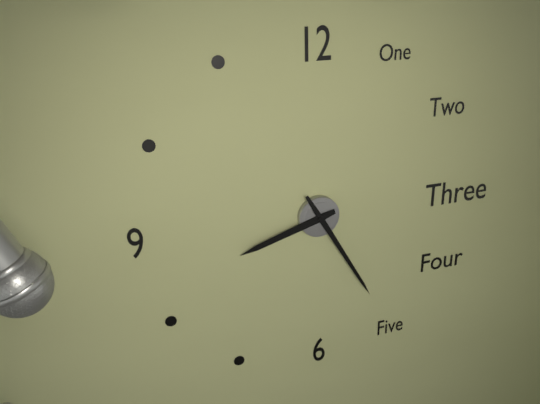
{"hour": 8, "minute": 25}
